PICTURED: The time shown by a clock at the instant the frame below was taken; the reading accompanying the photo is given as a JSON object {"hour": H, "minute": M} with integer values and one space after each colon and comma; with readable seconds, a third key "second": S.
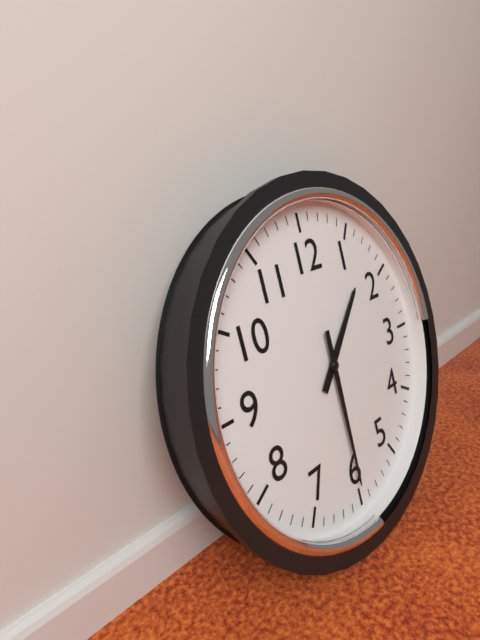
{"hour": 1, "minute": 30}
